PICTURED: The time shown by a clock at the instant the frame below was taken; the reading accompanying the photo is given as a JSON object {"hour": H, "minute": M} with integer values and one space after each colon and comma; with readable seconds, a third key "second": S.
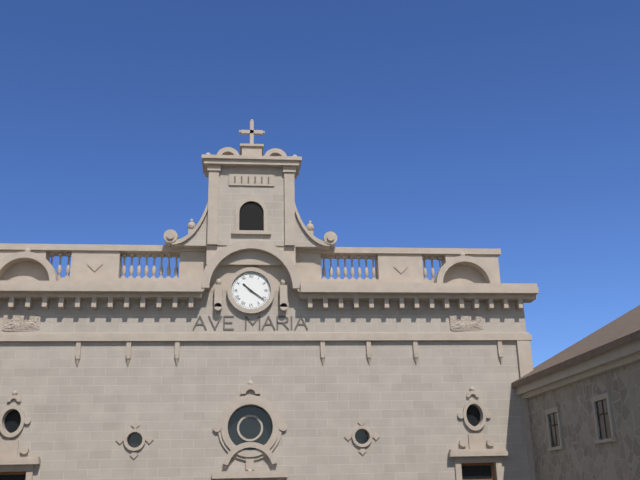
{"hour": 10, "minute": 21}
